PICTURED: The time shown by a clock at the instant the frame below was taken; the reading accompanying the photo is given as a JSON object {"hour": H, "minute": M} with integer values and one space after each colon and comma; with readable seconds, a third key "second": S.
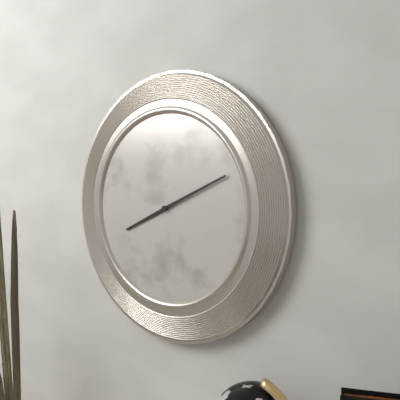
{"hour": 8, "minute": 11}
